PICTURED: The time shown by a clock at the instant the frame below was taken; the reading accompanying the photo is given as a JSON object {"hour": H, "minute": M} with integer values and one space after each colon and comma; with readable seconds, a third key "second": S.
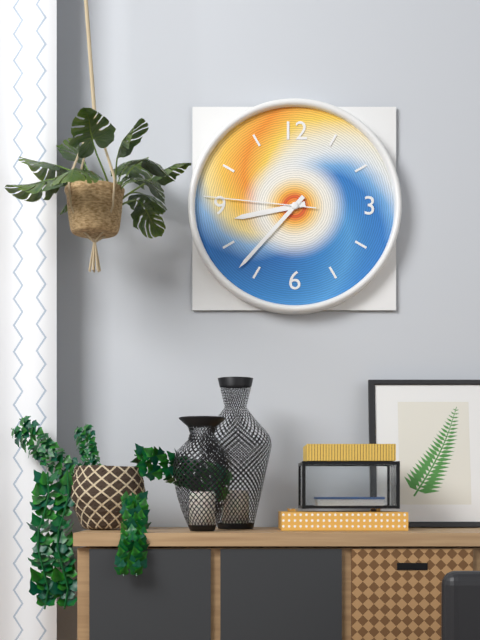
{"hour": 8, "minute": 37, "second": 46}
